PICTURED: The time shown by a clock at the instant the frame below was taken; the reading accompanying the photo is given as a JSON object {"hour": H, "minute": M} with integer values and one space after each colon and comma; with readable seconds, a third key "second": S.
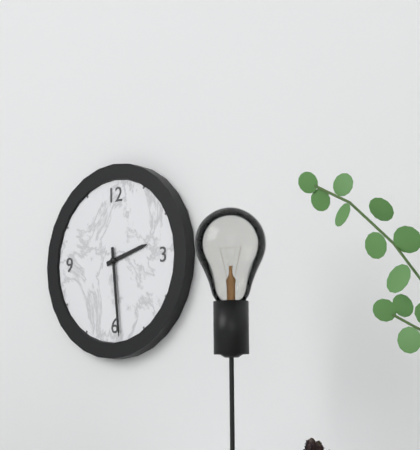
{"hour": 2, "minute": 29}
